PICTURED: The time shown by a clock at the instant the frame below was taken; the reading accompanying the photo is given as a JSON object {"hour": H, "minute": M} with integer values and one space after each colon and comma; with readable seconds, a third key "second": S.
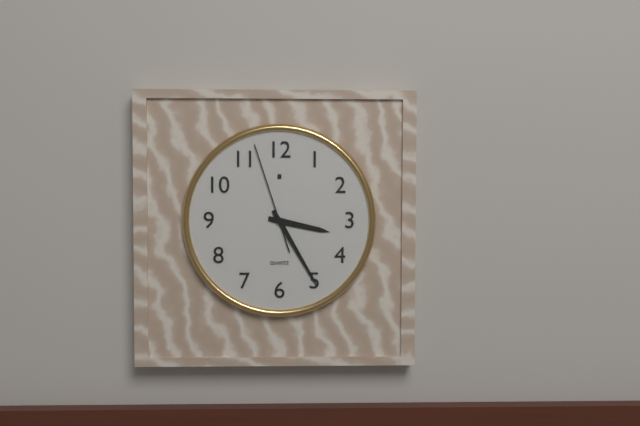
{"hour": 3, "minute": 25, "second": 57}
